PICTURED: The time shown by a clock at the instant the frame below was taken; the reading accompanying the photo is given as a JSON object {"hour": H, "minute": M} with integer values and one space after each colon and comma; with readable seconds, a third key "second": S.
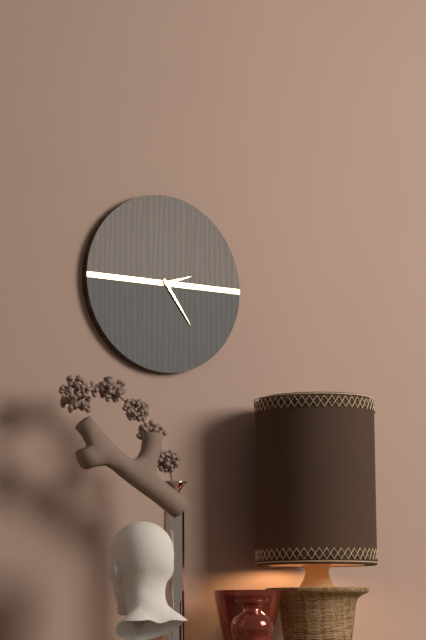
{"hour": 2, "minute": 24}
